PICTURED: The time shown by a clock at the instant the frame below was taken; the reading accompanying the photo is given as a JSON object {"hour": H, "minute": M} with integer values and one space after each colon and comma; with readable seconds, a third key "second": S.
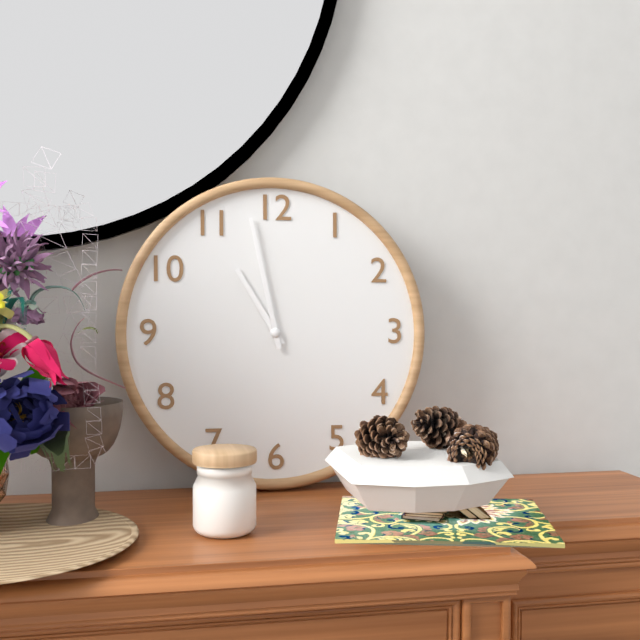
{"hour": 10, "minute": 58}
